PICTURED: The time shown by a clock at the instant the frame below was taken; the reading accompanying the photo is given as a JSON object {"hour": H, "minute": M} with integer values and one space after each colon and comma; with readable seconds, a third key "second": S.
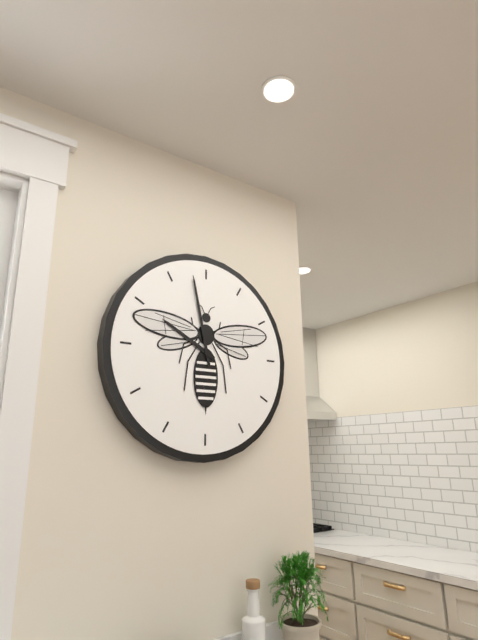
{"hour": 9, "minute": 58}
